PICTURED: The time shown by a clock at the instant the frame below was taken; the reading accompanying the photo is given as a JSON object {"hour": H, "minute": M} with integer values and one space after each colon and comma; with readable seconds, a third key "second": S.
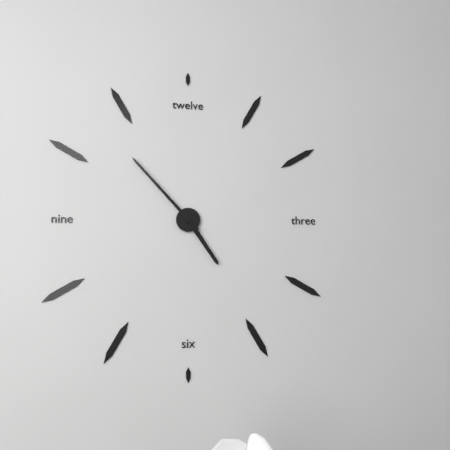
{"hour": 4, "minute": 53}
